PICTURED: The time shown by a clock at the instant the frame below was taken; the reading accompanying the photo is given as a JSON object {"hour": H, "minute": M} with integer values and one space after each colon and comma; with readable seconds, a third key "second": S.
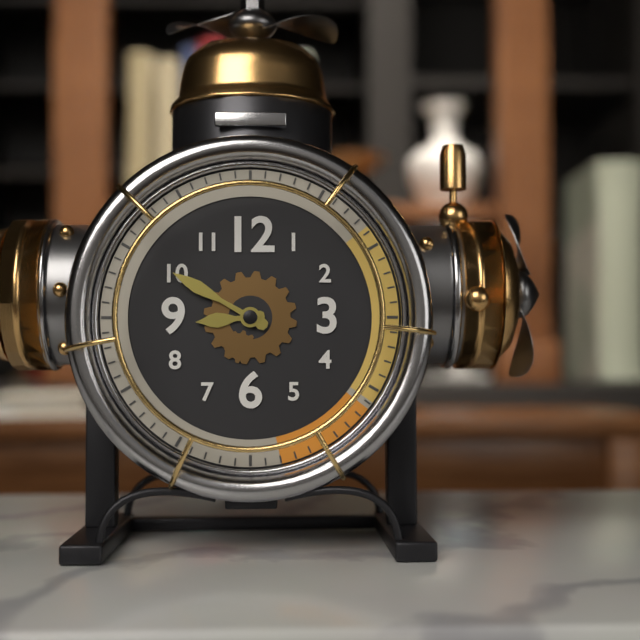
{"hour": 8, "minute": 50}
